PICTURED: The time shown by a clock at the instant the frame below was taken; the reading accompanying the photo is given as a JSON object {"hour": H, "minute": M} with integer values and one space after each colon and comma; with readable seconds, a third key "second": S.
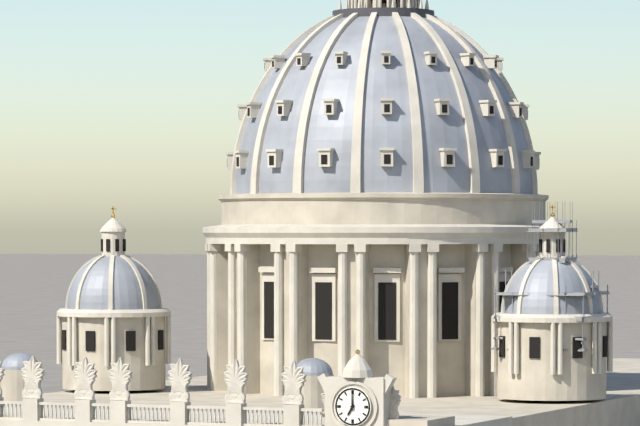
{"hour": 7, "minute": 0}
